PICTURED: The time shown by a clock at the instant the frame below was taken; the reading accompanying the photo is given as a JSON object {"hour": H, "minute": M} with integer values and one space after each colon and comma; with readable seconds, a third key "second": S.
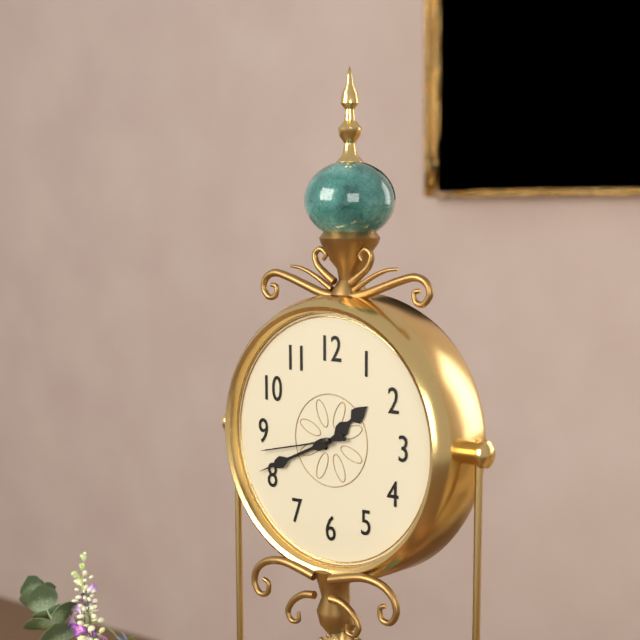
{"hour": 1, "minute": 41, "second": 43}
